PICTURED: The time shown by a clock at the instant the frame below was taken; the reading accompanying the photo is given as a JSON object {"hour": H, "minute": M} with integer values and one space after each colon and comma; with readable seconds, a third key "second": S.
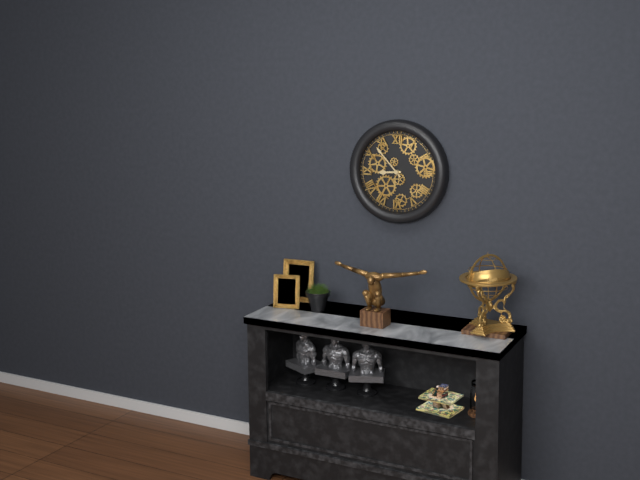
{"hour": 8, "minute": 53}
